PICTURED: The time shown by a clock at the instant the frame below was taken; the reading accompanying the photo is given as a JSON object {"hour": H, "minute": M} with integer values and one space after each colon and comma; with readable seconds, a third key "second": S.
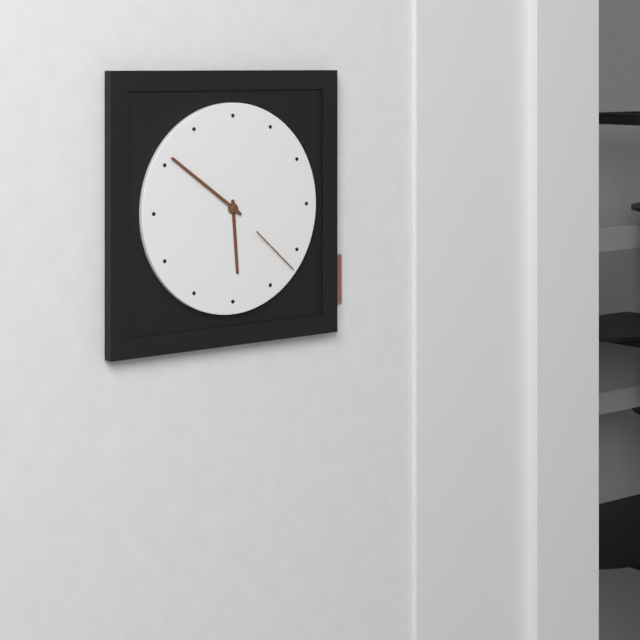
{"hour": 5, "minute": 51, "second": 22}
